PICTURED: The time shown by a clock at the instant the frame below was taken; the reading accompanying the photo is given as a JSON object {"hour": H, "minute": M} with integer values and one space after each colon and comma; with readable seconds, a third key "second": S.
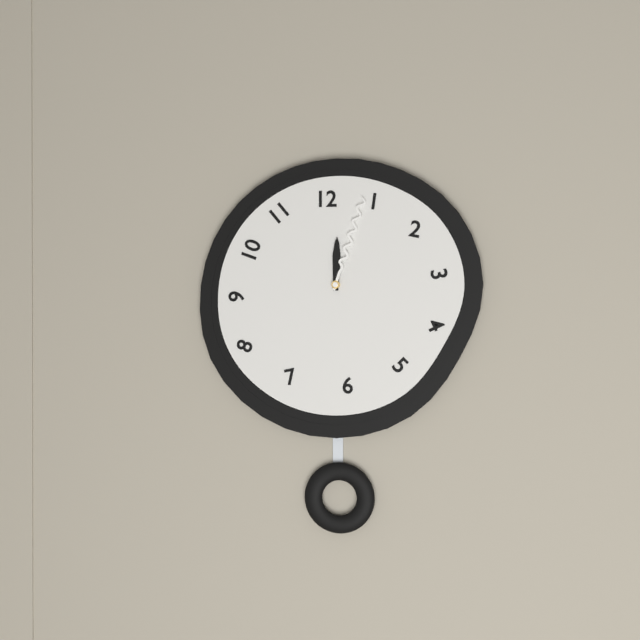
{"hour": 12, "minute": 3}
